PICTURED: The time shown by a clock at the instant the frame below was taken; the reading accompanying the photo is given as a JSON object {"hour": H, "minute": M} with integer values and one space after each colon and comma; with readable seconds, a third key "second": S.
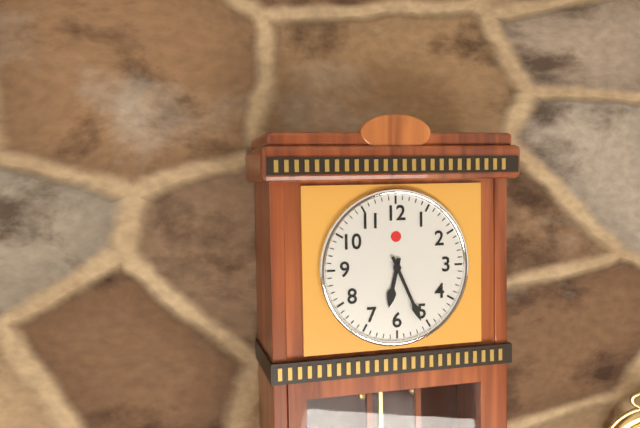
{"hour": 6, "minute": 26}
